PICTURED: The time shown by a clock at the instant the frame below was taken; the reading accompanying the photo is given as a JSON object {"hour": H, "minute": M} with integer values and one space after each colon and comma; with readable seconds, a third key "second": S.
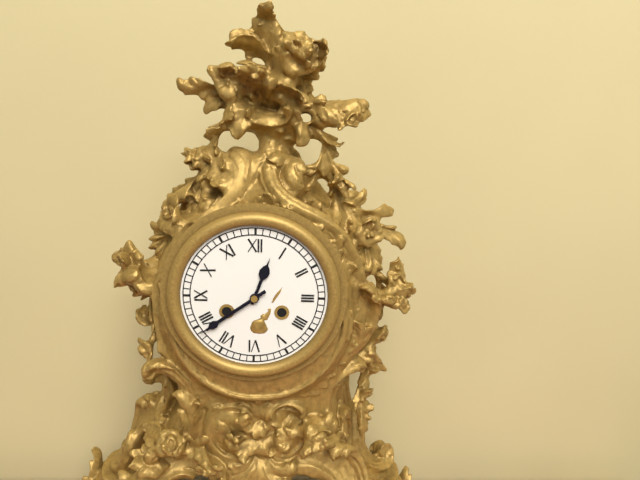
{"hour": 12, "minute": 39}
